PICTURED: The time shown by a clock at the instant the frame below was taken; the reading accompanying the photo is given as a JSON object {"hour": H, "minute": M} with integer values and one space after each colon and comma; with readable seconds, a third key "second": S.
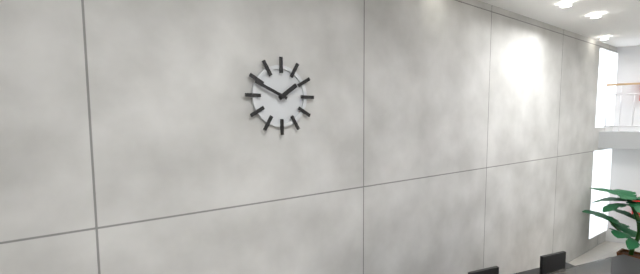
{"hour": 1, "minute": 49}
